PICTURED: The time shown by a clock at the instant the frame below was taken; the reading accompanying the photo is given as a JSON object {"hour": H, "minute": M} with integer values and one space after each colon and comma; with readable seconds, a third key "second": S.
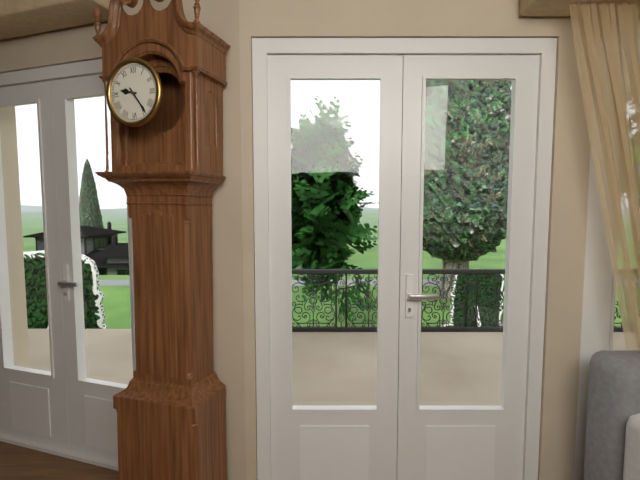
{"hour": 9, "minute": 24}
